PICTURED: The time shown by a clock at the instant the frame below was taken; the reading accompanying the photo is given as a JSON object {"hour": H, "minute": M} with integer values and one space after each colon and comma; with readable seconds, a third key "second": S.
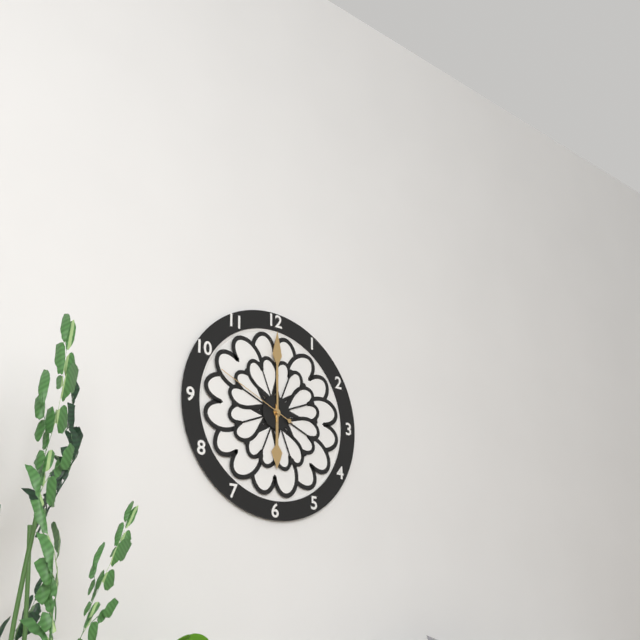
{"hour": 6, "minute": 0, "second": 49}
